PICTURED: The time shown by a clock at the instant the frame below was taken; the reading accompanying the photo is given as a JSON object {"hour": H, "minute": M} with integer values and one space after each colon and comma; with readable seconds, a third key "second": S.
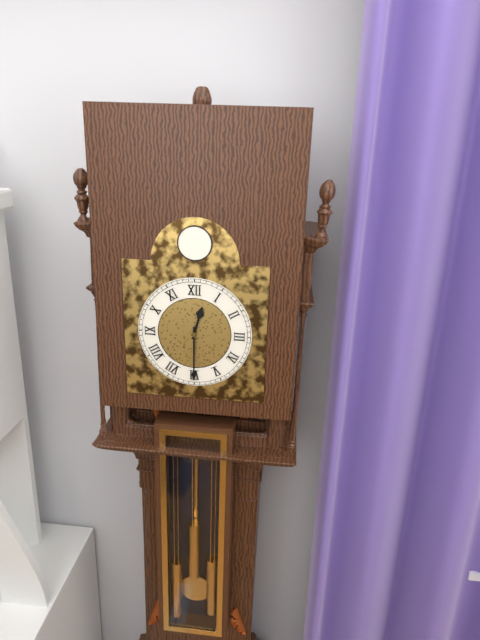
{"hour": 12, "minute": 30}
